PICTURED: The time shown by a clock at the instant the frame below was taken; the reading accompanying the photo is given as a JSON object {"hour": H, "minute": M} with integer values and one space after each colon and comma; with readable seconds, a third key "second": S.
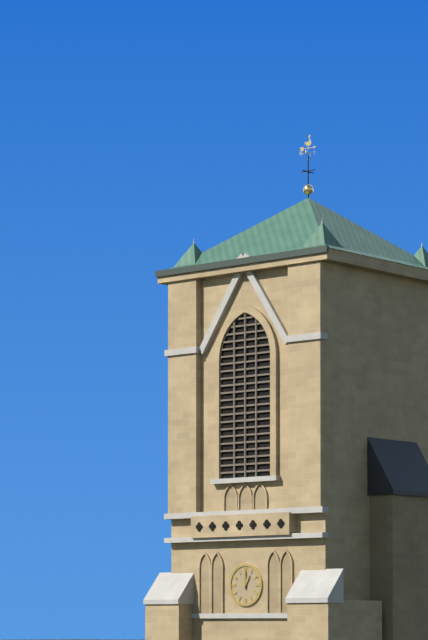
{"hour": 1, "minute": 0}
